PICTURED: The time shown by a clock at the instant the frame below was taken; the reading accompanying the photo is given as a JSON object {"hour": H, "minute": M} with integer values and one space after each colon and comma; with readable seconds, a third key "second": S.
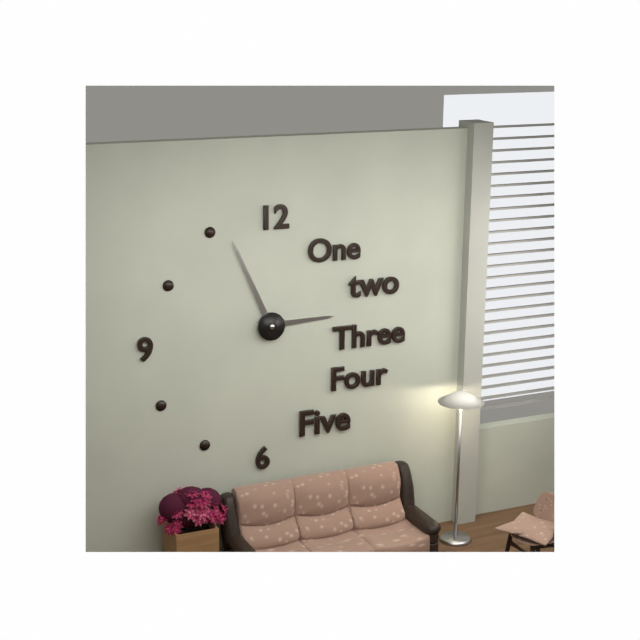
{"hour": 2, "minute": 56}
